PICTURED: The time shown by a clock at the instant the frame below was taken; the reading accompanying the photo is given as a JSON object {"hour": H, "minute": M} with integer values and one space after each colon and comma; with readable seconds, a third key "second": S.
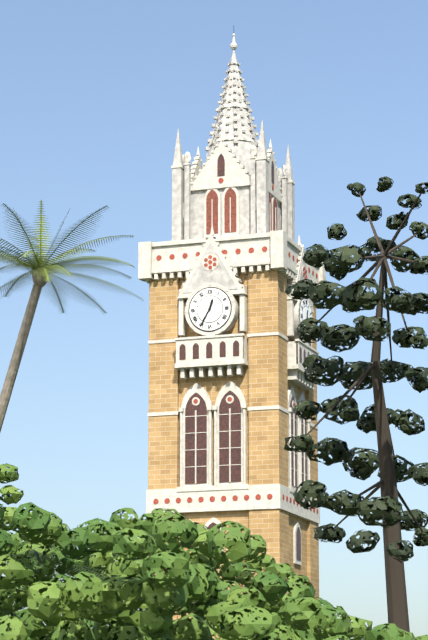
{"hour": 12, "minute": 35}
